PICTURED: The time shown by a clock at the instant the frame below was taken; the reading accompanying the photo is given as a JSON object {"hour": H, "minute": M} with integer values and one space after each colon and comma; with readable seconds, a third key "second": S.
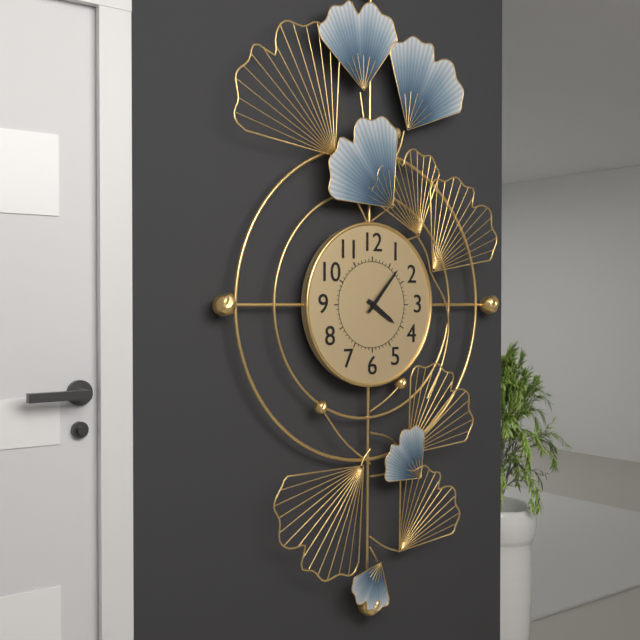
{"hour": 4, "minute": 7}
